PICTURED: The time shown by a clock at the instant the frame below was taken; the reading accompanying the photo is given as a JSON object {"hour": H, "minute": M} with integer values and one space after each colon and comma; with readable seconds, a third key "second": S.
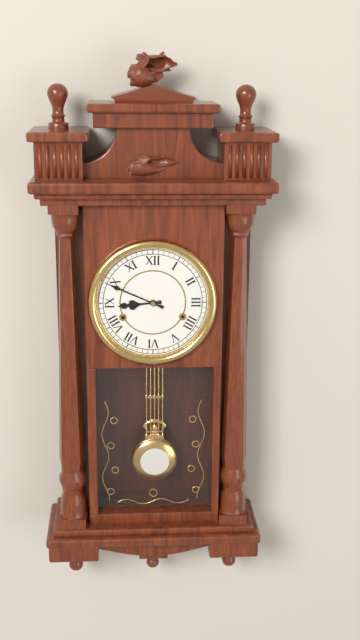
{"hour": 8, "minute": 49}
